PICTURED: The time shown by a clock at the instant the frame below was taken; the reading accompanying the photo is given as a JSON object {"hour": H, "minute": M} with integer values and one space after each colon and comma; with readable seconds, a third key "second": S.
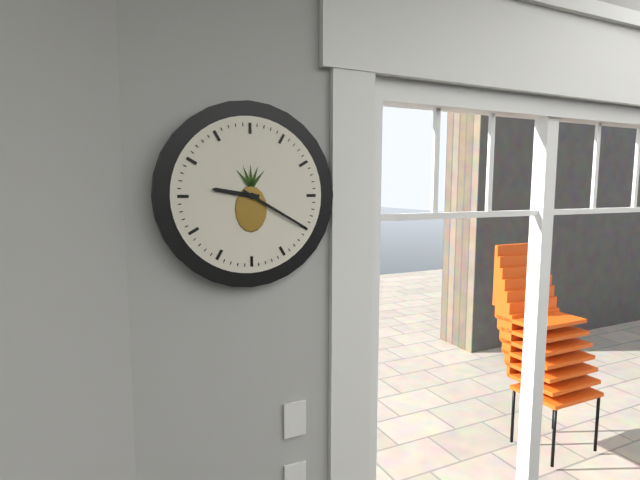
{"hour": 9, "minute": 20}
